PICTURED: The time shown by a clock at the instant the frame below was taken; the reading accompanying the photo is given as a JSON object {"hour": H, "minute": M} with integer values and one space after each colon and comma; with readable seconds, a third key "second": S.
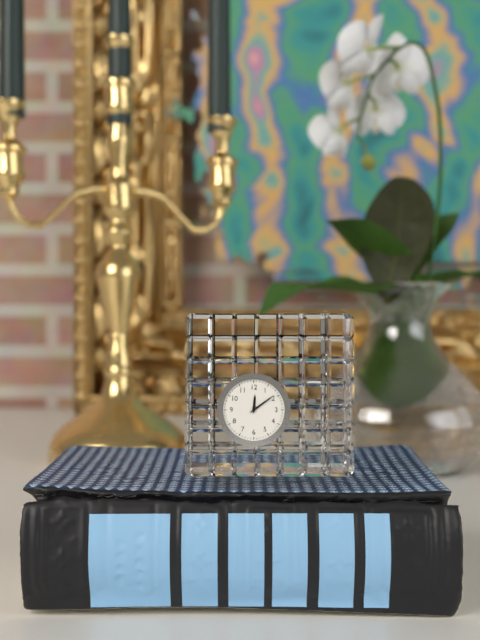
{"hour": 12, "minute": 9}
